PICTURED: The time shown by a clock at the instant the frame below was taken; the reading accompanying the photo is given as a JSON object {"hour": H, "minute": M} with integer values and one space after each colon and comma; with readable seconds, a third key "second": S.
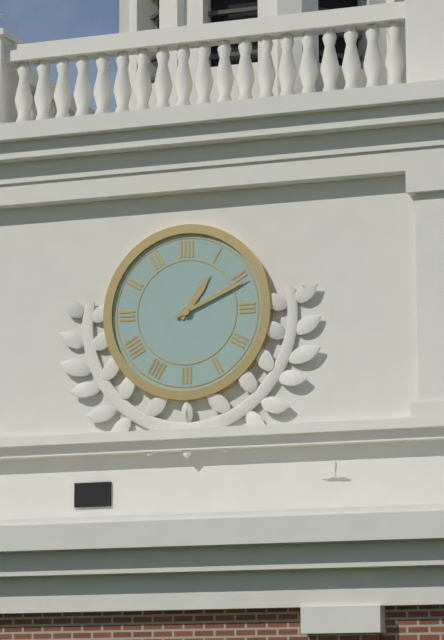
{"hour": 1, "minute": 11}
